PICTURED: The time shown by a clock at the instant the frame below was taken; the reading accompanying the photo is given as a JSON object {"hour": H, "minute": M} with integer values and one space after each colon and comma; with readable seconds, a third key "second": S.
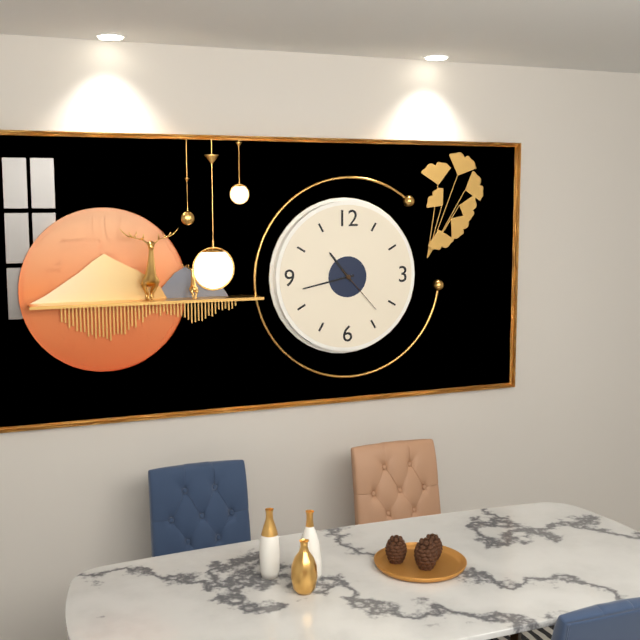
{"hour": 10, "minute": 43, "second": 23}
